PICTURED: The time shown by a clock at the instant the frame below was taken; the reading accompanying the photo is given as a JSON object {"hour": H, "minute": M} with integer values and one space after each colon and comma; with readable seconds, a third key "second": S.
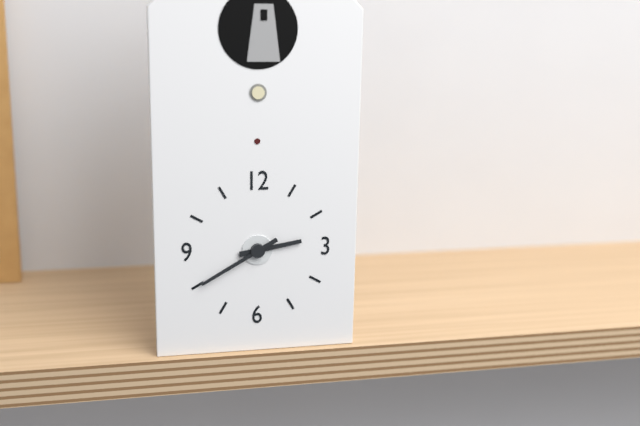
{"hour": 2, "minute": 40}
